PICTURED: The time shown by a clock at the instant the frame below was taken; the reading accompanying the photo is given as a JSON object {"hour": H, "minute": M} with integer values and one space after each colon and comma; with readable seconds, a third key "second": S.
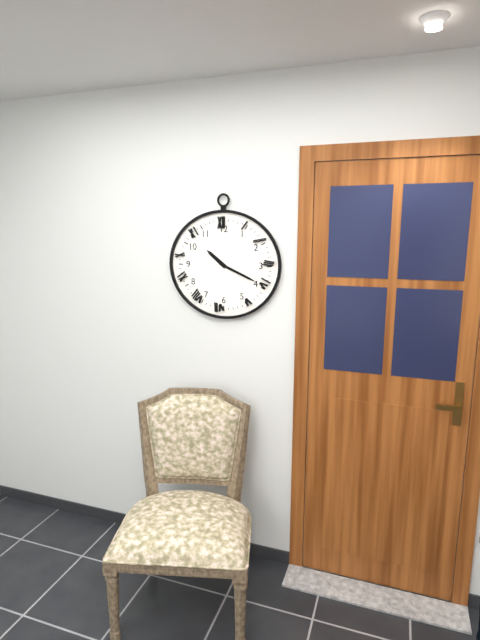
{"hour": 10, "minute": 19}
